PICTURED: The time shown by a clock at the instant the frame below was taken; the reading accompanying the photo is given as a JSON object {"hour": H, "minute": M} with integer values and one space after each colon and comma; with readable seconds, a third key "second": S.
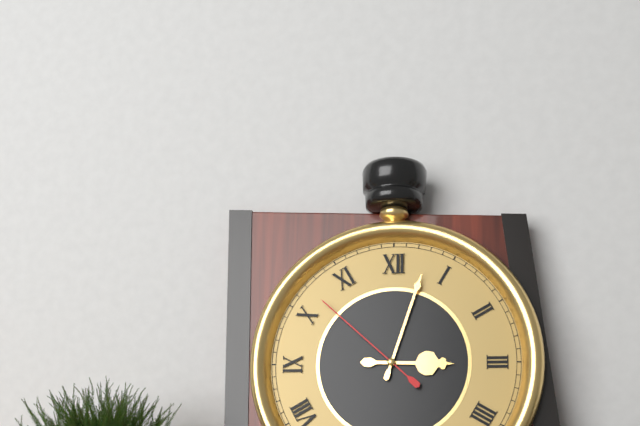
{"hour": 3, "minute": 3, "second": 52}
